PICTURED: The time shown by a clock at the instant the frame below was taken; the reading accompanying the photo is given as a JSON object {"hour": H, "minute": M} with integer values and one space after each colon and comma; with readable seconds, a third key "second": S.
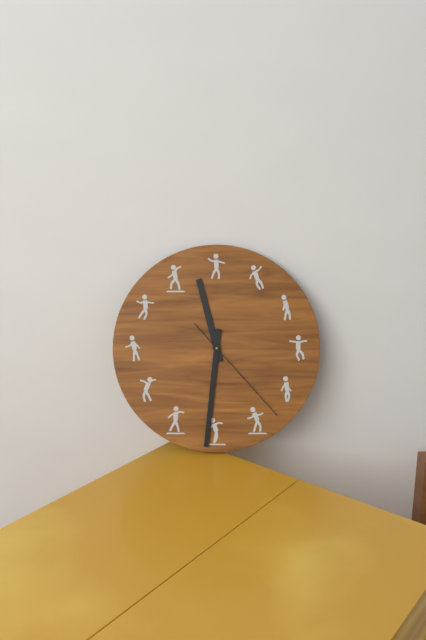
{"hour": 11, "minute": 31, "second": 23}
